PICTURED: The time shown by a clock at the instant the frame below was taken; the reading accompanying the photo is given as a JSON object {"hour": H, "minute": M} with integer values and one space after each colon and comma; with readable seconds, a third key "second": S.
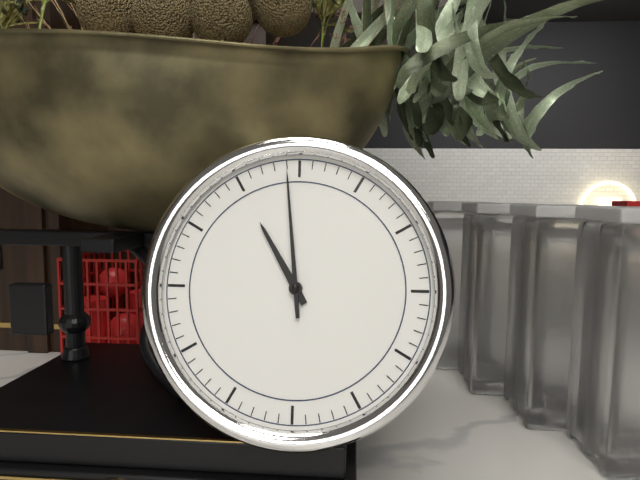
{"hour": 10, "minute": 59}
